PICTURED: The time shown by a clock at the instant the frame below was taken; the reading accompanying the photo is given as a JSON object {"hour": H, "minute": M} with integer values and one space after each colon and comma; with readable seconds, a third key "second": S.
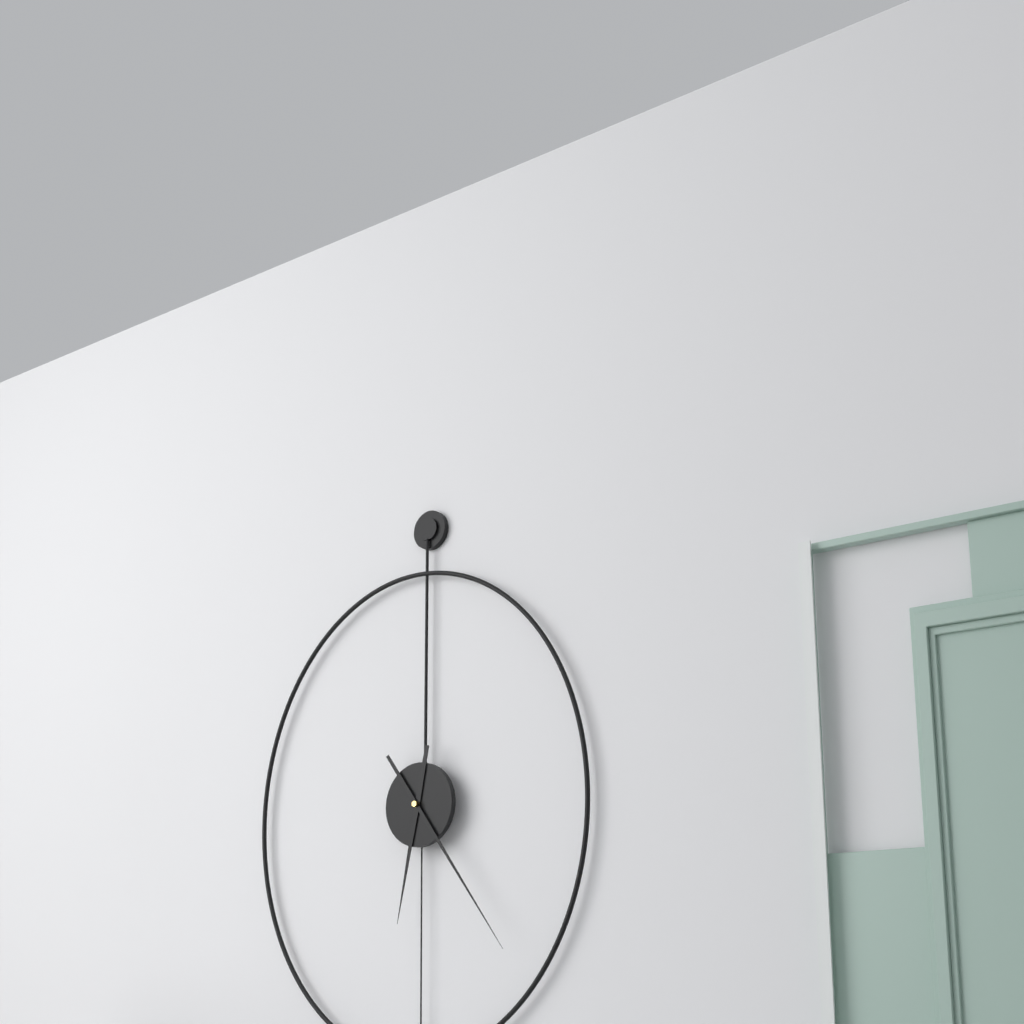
{"hour": 6, "minute": 24}
